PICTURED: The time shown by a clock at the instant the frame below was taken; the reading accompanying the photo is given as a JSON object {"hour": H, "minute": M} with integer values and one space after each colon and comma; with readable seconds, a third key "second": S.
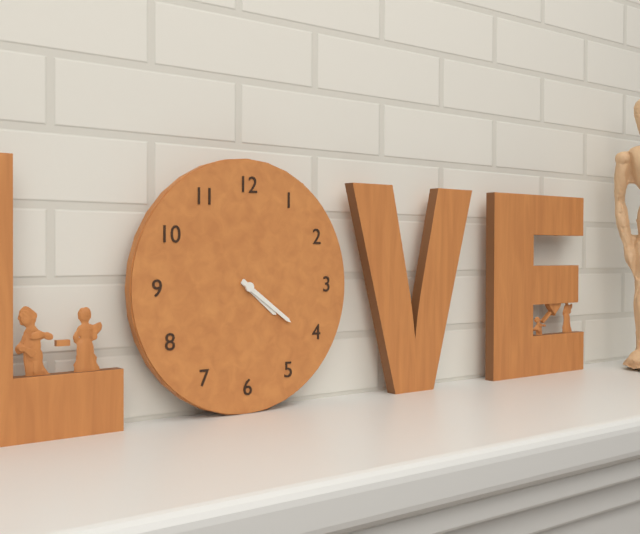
{"hour": 4, "minute": 21}
